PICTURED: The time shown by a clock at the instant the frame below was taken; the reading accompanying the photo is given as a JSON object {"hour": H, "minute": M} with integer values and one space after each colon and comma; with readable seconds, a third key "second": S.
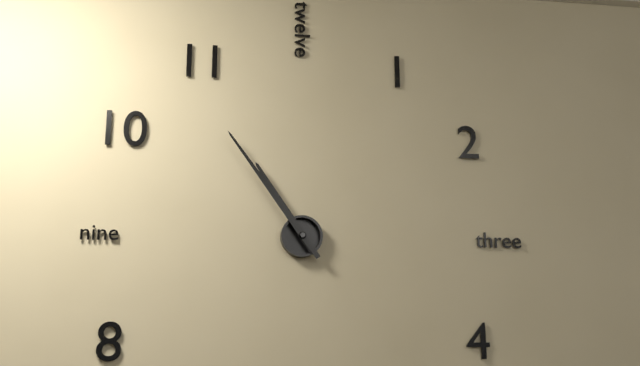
{"hour": 10, "minute": 54}
